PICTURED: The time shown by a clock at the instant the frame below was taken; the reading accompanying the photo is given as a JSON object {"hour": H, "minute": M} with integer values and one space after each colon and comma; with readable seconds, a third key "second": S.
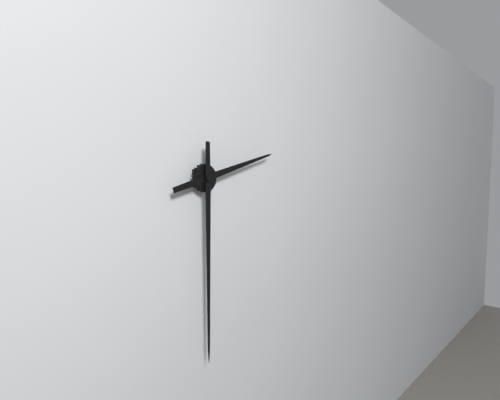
{"hour": 2, "minute": 30}
